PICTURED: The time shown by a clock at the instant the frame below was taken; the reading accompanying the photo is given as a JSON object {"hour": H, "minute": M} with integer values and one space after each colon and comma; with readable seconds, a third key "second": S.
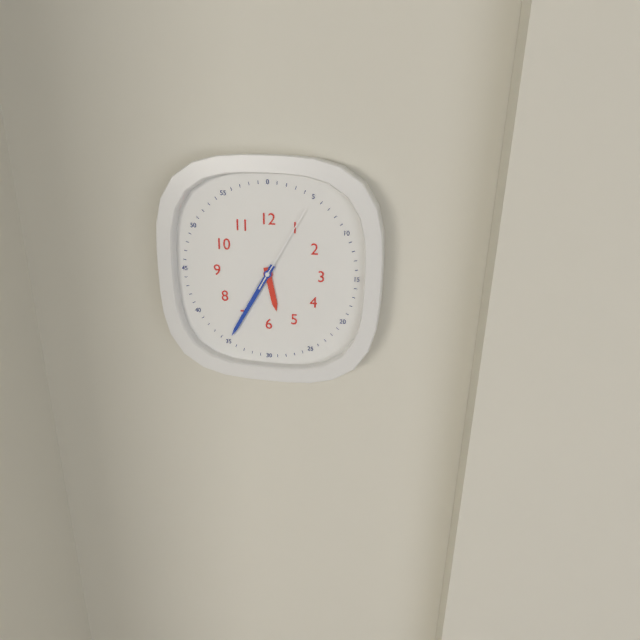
{"hour": 5, "minute": 35, "second": 5}
